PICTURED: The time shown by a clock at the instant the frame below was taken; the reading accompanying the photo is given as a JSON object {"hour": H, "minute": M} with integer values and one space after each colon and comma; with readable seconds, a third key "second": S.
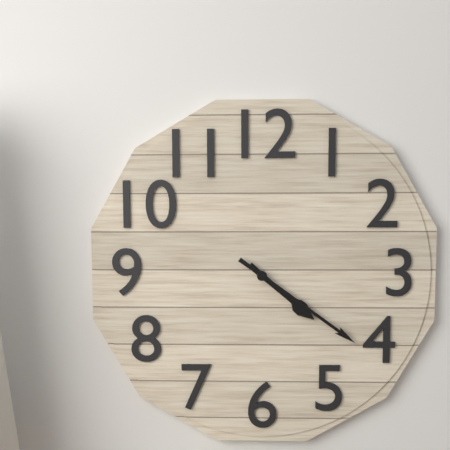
{"hour": 4, "minute": 21}
